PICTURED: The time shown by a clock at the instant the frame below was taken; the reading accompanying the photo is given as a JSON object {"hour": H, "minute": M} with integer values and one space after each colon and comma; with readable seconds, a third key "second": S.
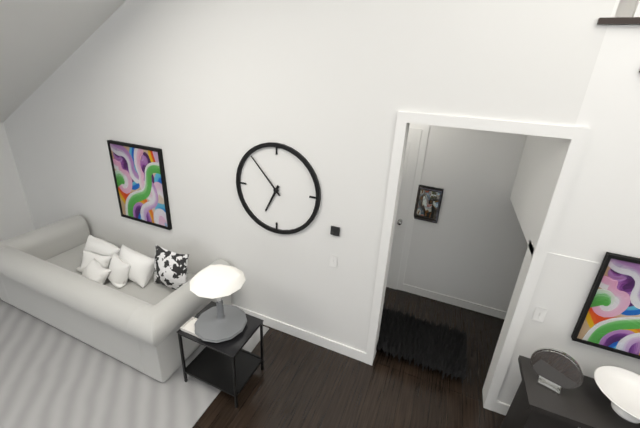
{"hour": 6, "minute": 53}
